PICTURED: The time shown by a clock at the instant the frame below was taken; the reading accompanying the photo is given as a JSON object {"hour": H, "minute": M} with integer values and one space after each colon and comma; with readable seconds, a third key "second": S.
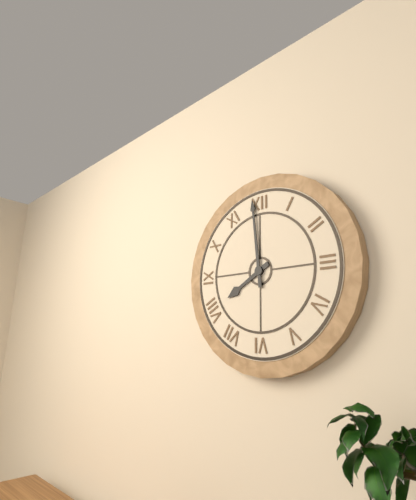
{"hour": 7, "minute": 59}
